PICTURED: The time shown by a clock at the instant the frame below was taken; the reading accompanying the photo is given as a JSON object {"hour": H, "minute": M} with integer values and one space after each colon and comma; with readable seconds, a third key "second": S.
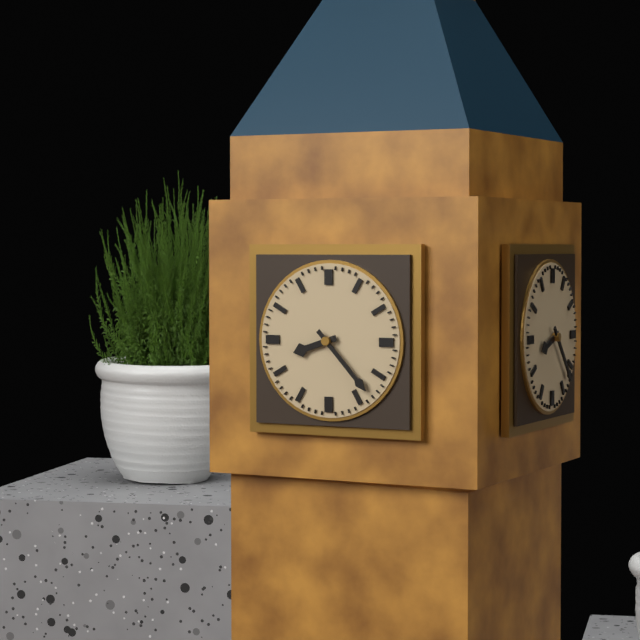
{"hour": 8, "minute": 23}
